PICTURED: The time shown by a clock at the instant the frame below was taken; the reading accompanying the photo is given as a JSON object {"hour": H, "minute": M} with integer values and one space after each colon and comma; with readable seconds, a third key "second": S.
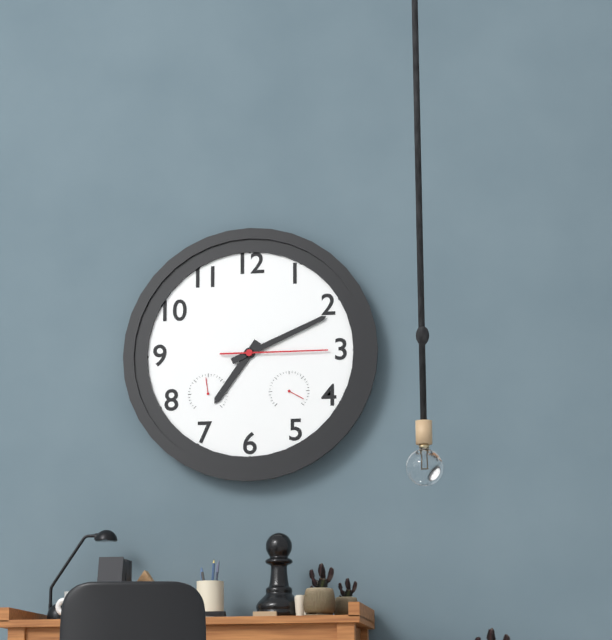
{"hour": 7, "minute": 11, "second": 15}
